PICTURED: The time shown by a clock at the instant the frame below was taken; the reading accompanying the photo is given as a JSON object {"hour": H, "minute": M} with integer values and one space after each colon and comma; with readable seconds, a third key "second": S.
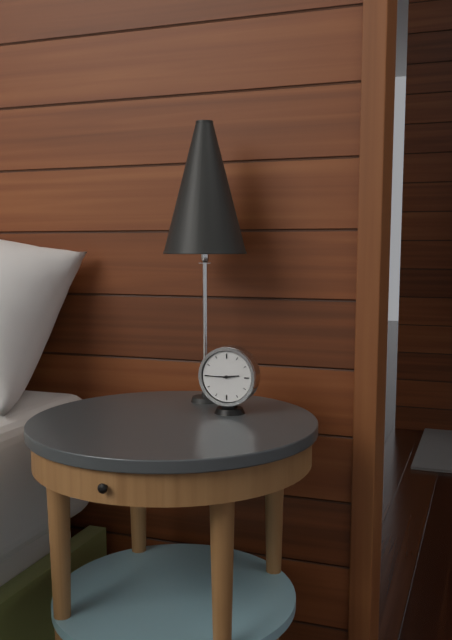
{"hour": 2, "minute": 45}
